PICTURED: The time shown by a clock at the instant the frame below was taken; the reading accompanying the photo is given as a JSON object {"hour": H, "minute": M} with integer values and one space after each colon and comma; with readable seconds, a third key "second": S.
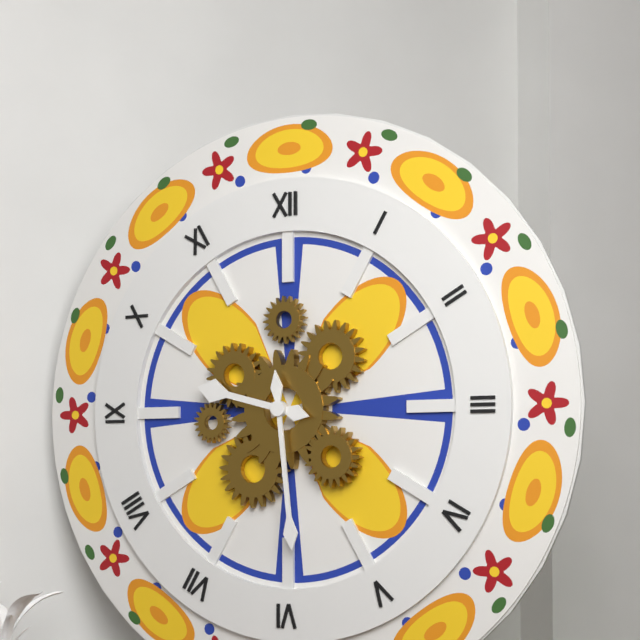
{"hour": 9, "minute": 29}
